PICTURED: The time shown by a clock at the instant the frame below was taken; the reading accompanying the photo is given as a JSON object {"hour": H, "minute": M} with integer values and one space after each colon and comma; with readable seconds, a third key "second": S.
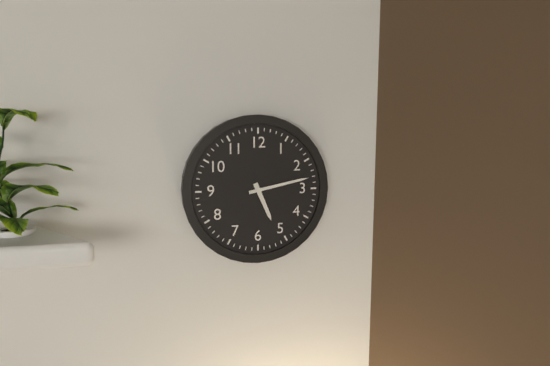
{"hour": 5, "minute": 13}
